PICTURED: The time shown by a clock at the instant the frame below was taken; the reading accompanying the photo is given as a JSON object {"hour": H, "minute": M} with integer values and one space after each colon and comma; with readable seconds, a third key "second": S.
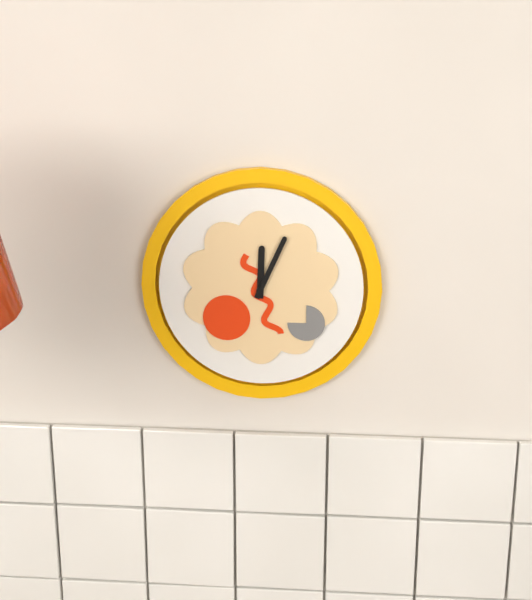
{"hour": 12, "minute": 4}
